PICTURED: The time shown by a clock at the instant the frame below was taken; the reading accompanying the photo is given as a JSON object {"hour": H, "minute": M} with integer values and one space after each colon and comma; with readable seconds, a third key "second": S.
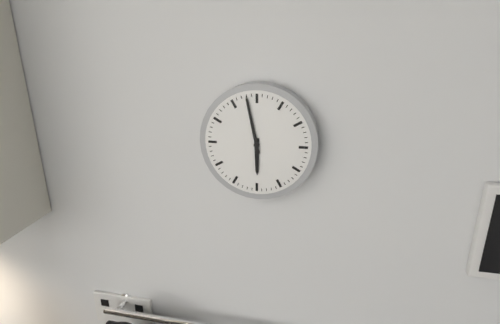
{"hour": 5, "minute": 58}
